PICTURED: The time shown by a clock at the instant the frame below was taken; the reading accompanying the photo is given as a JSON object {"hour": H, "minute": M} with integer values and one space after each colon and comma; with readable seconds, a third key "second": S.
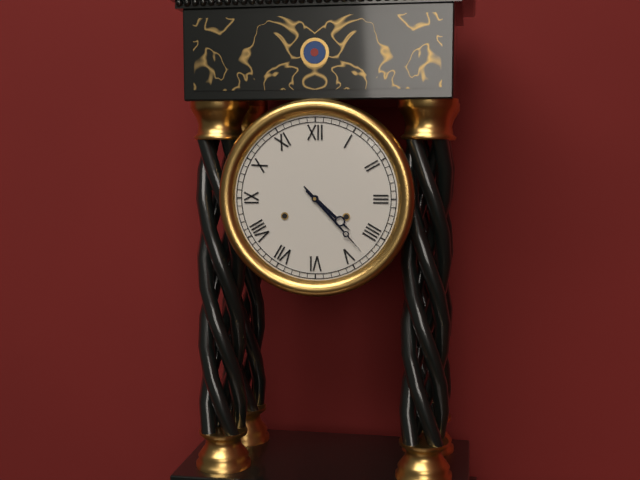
{"hour": 4, "minute": 23}
